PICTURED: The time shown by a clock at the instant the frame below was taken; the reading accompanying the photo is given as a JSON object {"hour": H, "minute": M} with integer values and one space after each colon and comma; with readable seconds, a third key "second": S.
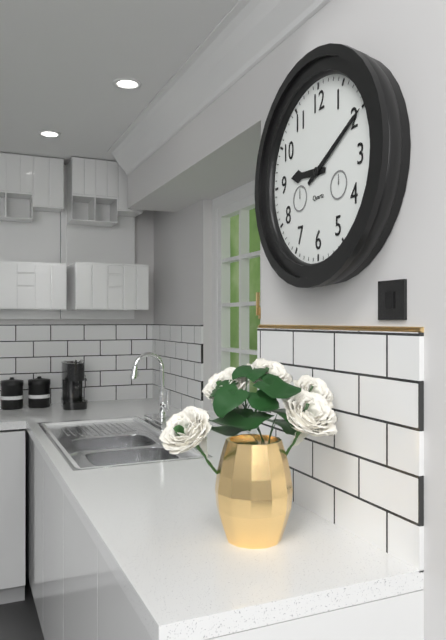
{"hour": 9, "minute": 10}
